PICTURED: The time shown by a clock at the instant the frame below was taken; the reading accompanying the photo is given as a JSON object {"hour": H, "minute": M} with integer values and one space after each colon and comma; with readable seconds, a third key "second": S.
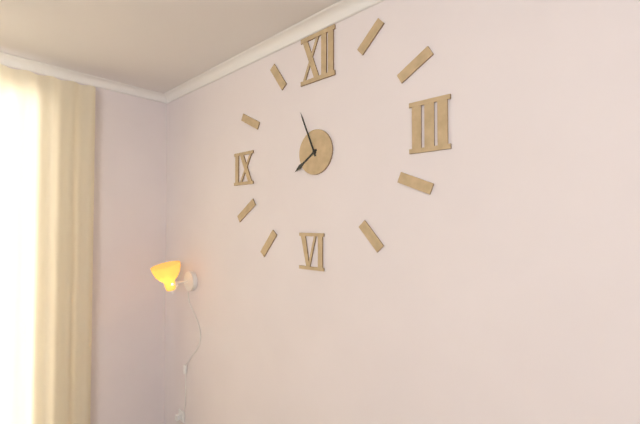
{"hour": 7, "minute": 56}
